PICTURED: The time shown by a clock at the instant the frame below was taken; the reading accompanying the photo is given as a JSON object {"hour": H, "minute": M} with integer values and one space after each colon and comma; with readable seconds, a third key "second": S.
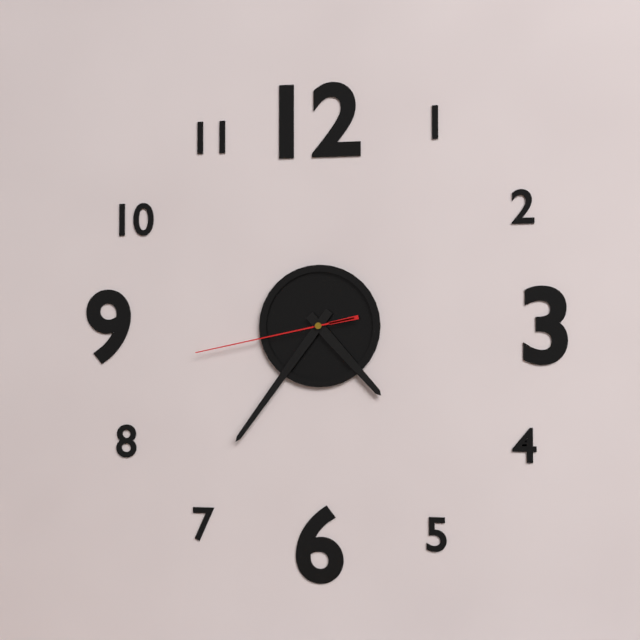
{"hour": 4, "minute": 36, "second": 43}
